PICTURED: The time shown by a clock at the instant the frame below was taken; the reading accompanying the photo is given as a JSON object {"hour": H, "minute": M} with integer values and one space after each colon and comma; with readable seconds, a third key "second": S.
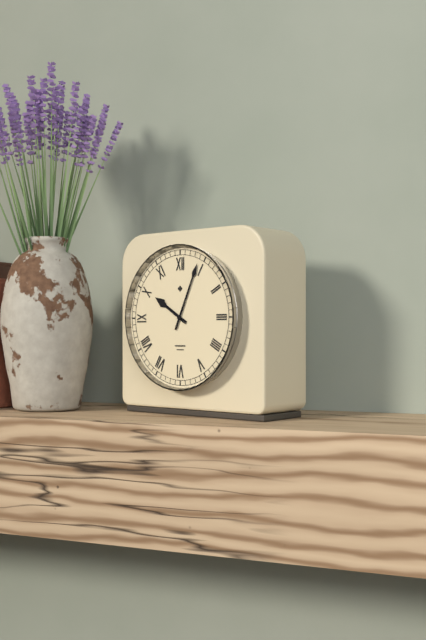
{"hour": 10, "minute": 4}
